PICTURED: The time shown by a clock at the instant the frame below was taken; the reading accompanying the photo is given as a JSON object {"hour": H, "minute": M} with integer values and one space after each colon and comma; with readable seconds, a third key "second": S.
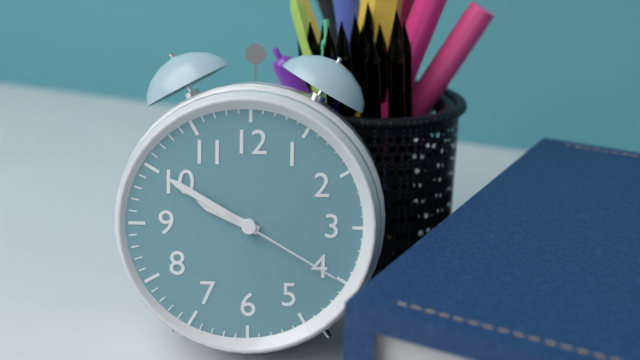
{"hour": 9, "minute": 50, "second": 20}
